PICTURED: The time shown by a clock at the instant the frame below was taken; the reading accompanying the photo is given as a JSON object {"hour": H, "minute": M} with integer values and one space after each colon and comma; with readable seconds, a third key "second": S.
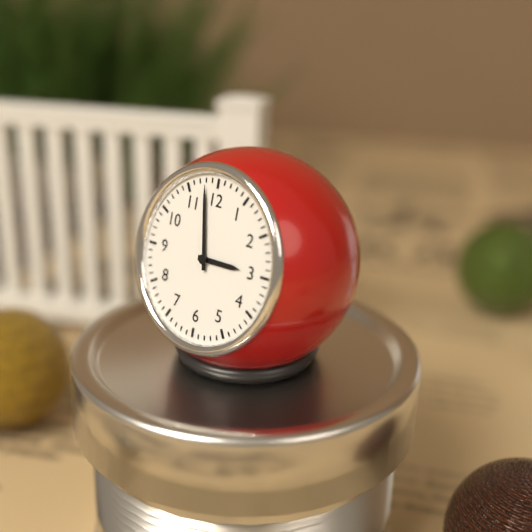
{"hour": 2, "minute": 58}
